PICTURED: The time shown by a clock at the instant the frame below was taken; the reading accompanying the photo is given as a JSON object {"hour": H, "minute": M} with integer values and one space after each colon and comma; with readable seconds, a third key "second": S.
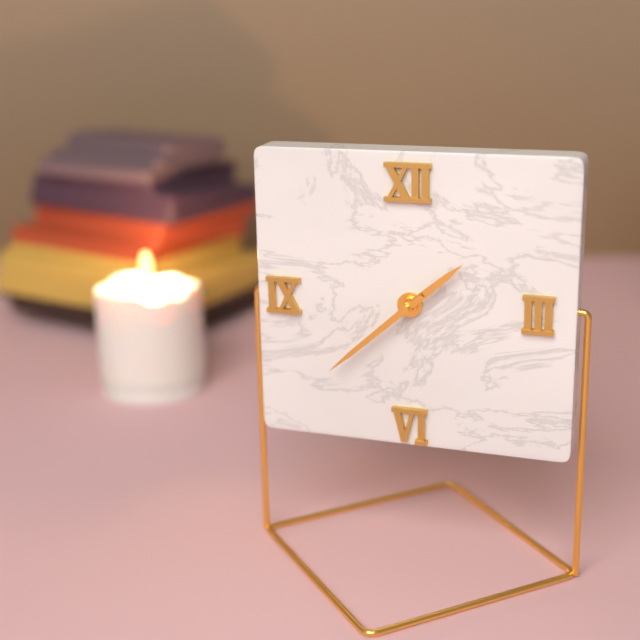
{"hour": 1, "minute": 38}
